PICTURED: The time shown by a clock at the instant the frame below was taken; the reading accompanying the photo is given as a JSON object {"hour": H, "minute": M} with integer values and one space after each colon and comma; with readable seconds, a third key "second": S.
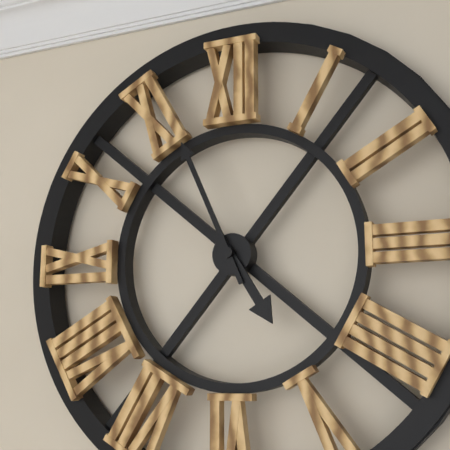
{"hour": 4, "minute": 56}
